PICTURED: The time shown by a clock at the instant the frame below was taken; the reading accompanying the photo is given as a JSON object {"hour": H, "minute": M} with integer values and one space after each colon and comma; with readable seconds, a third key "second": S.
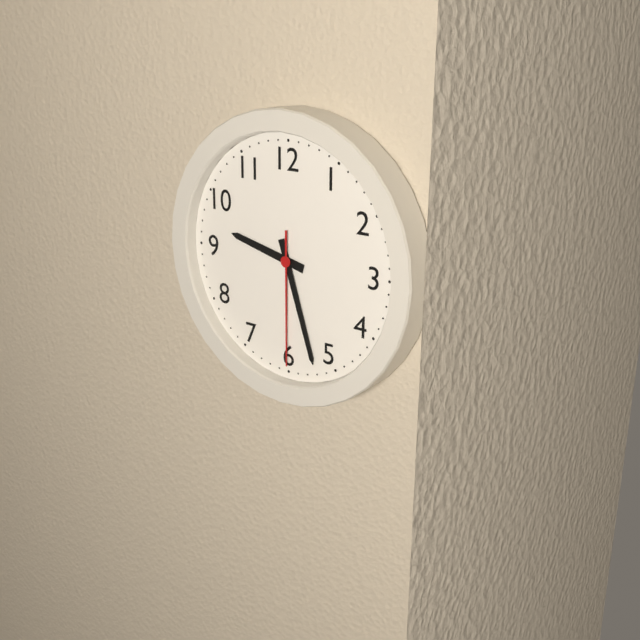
{"hour": 9, "minute": 27, "second": 30}
